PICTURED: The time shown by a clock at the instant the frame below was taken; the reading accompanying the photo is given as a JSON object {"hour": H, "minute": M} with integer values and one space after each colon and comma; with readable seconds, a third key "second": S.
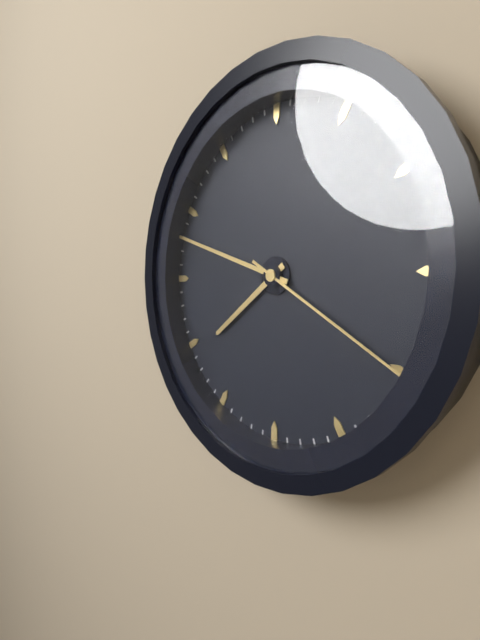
{"hour": 7, "minute": 48, "second": 20}
